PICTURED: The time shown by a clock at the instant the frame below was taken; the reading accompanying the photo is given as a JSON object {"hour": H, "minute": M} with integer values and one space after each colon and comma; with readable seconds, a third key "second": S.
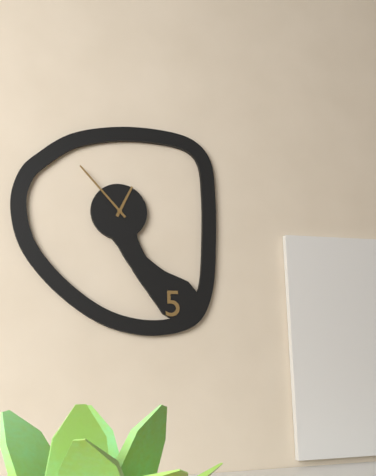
{"hour": 12, "minute": 53}
